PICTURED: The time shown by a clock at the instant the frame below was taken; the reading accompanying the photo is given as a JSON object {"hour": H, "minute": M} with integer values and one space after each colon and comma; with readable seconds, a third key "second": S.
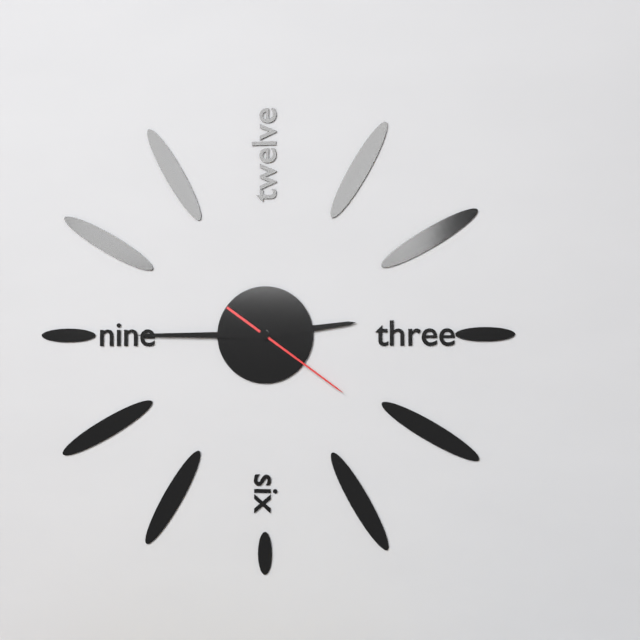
{"hour": 2, "minute": 45, "second": 21}
